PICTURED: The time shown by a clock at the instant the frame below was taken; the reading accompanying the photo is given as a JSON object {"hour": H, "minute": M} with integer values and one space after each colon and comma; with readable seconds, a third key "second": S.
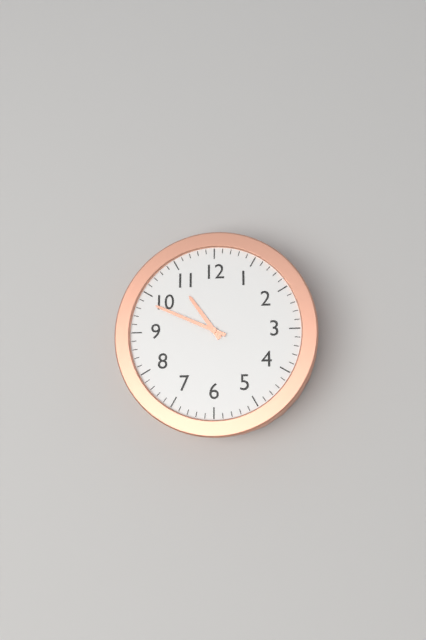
{"hour": 10, "minute": 49}
